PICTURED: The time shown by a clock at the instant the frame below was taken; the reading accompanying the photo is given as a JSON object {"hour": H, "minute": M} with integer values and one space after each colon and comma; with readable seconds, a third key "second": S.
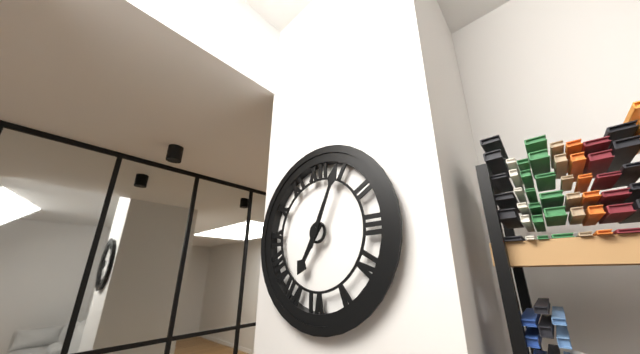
{"hour": 7, "minute": 4}
